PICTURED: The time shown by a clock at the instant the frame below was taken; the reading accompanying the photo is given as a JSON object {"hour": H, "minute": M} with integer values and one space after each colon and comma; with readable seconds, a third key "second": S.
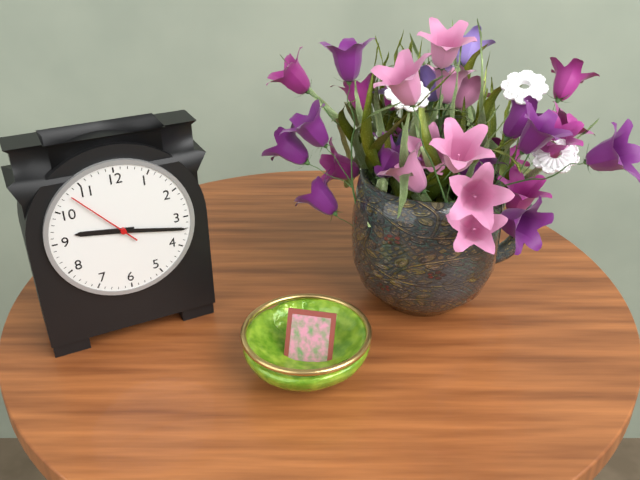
{"hour": 9, "minute": 17, "second": 53}
